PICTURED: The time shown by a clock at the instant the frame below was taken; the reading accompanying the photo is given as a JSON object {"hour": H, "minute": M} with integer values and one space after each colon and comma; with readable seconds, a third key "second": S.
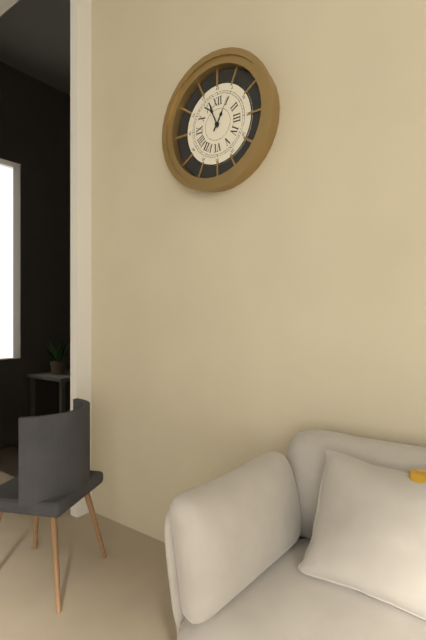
{"hour": 12, "minute": 56}
